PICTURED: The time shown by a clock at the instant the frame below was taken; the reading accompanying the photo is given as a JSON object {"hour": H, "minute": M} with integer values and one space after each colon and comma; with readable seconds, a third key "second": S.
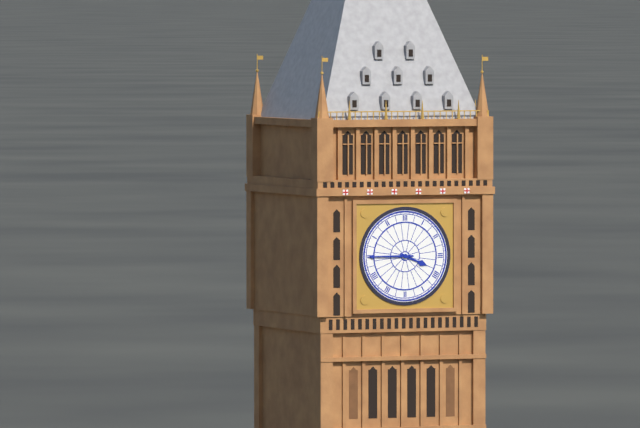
{"hour": 3, "minute": 45}
